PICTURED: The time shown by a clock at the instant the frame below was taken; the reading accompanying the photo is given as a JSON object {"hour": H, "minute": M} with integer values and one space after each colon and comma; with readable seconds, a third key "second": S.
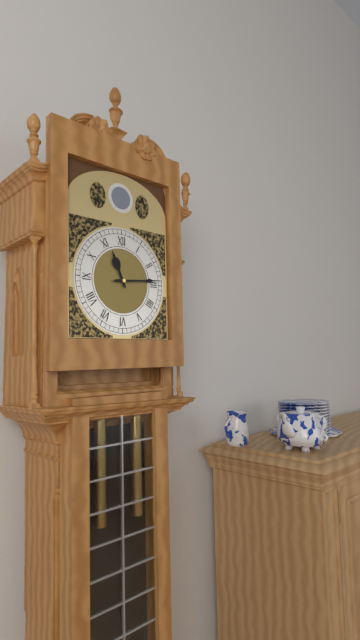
{"hour": 11, "minute": 14}
